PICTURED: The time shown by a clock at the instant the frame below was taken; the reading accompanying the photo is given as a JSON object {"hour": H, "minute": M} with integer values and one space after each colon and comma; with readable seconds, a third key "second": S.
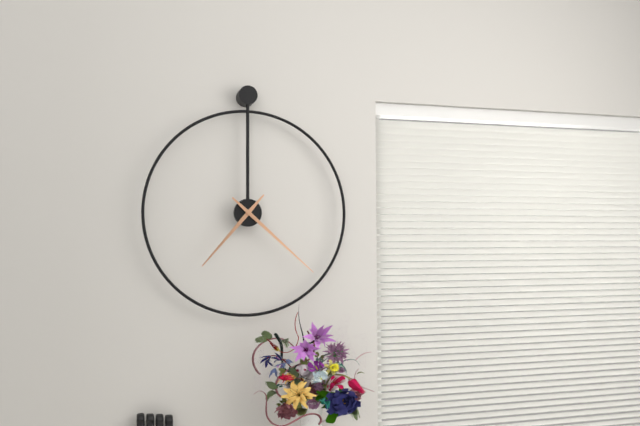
{"hour": 7, "minute": 22}
